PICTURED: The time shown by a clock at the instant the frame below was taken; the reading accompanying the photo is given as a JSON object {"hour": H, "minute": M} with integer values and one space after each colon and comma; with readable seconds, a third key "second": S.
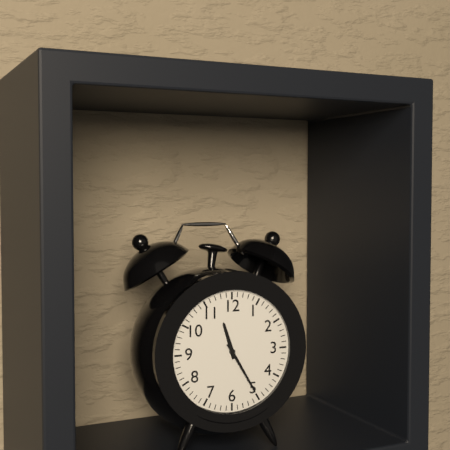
{"hour": 11, "minute": 25}
